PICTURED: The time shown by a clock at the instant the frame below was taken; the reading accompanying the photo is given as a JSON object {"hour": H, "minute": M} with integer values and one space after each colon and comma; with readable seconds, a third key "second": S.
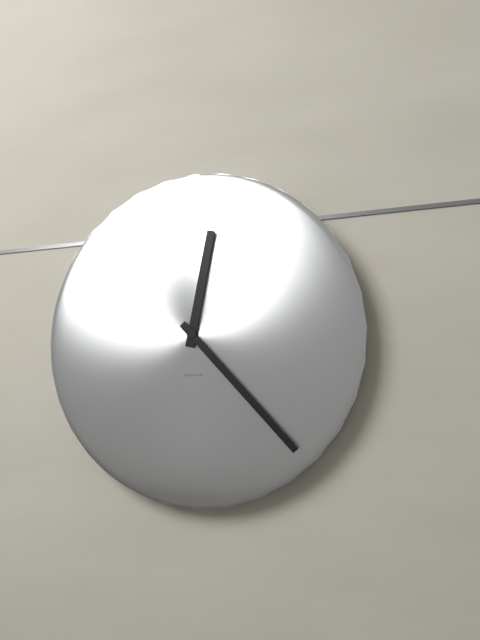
{"hour": 12, "minute": 23}
